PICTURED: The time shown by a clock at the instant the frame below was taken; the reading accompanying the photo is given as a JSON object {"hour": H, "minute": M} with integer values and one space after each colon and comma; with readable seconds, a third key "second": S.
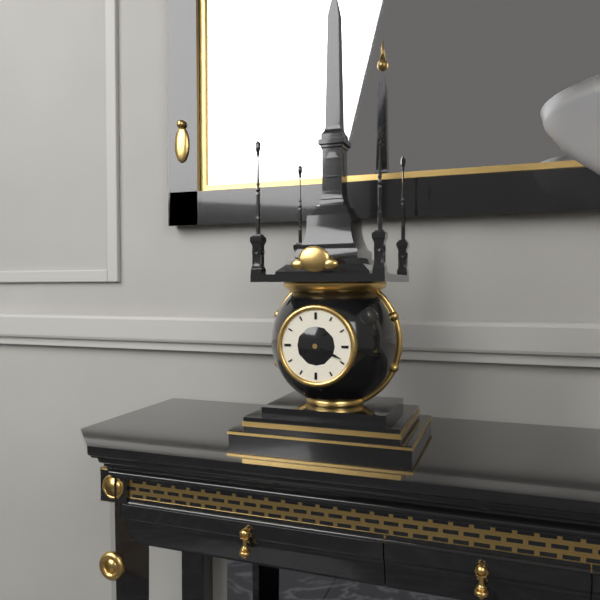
{"hour": 1, "minute": 19}
